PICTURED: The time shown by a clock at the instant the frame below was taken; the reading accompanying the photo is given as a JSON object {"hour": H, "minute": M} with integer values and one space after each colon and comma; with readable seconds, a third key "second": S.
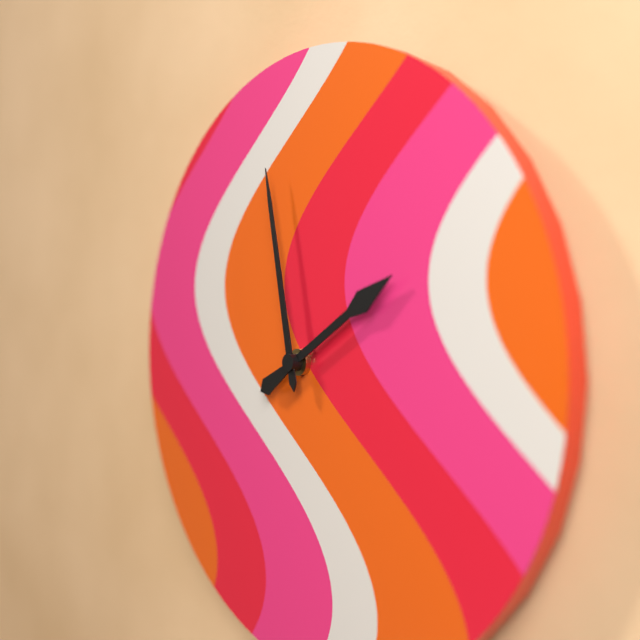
{"hour": 1, "minute": 58}
